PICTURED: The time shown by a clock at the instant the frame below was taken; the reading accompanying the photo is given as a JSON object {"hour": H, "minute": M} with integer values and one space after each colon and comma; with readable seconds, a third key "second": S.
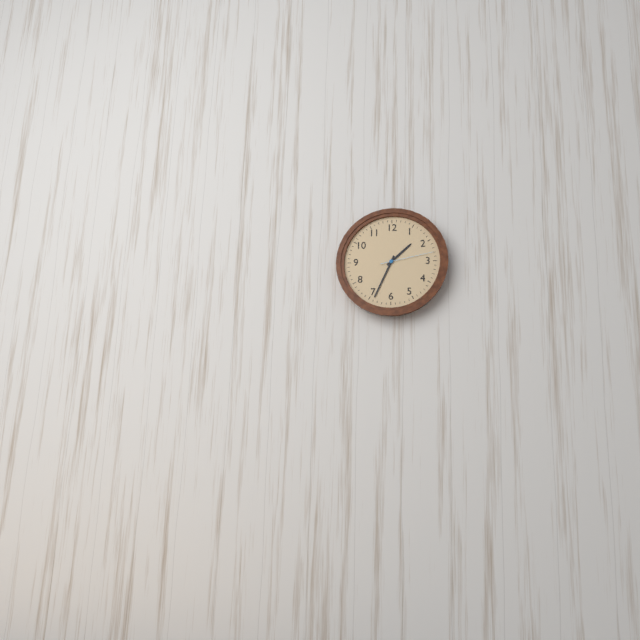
{"hour": 1, "minute": 34, "second": 13}
